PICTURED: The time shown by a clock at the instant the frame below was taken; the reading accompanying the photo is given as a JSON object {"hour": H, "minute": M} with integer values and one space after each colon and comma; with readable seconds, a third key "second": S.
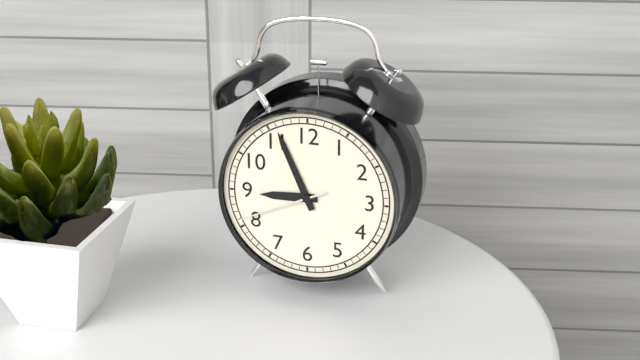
{"hour": 8, "minute": 56, "second": 41}
